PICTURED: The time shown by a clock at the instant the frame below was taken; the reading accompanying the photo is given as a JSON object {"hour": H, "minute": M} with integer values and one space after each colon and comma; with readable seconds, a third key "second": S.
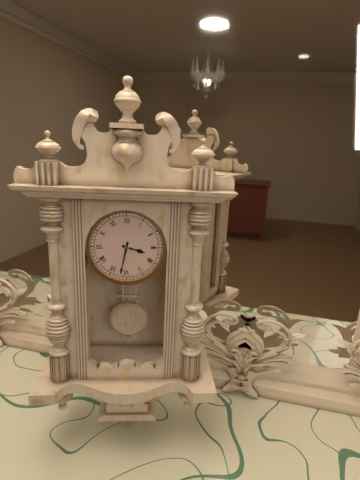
{"hour": 3, "minute": 32}
